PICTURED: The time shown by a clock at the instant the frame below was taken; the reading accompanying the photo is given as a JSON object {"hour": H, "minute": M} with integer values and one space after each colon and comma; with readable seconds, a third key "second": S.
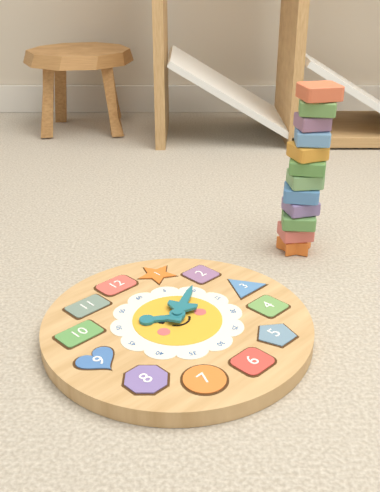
{"hour": 10, "minute": 10}
